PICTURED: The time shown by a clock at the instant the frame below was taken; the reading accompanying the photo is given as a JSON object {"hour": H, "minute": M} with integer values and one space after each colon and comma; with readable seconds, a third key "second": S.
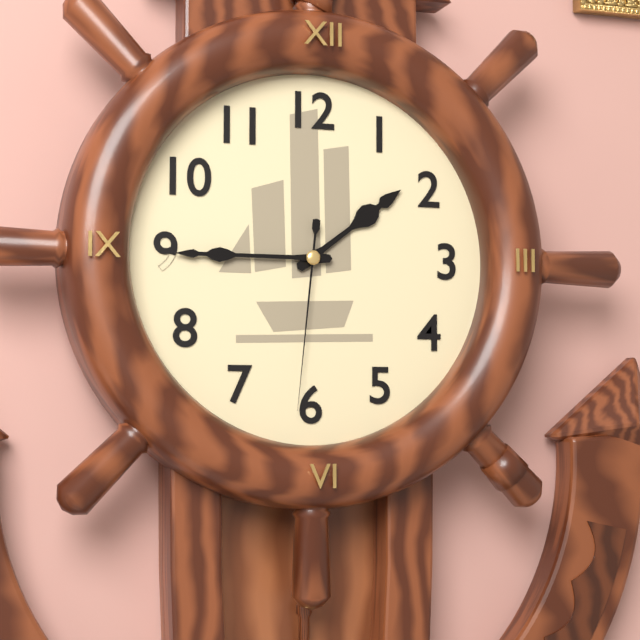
{"hour": 1, "minute": 45, "second": 31}
